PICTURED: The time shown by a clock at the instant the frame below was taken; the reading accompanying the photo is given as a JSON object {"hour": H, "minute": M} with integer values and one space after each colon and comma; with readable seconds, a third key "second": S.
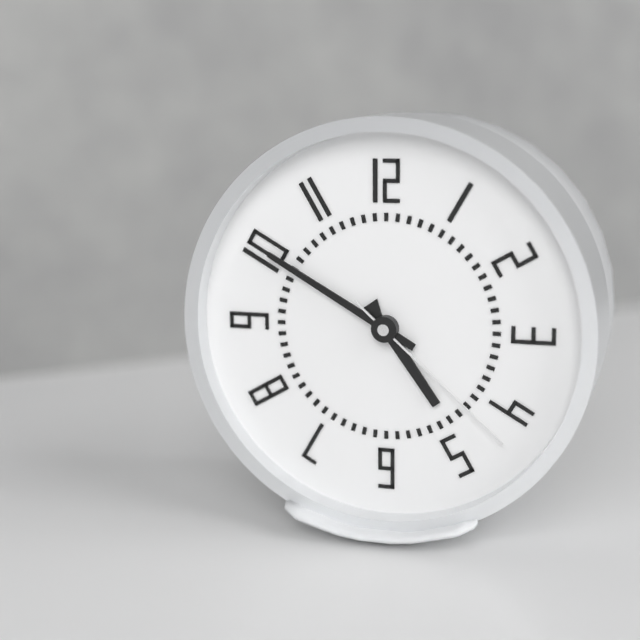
{"hour": 4, "minute": 50, "second": 22}
